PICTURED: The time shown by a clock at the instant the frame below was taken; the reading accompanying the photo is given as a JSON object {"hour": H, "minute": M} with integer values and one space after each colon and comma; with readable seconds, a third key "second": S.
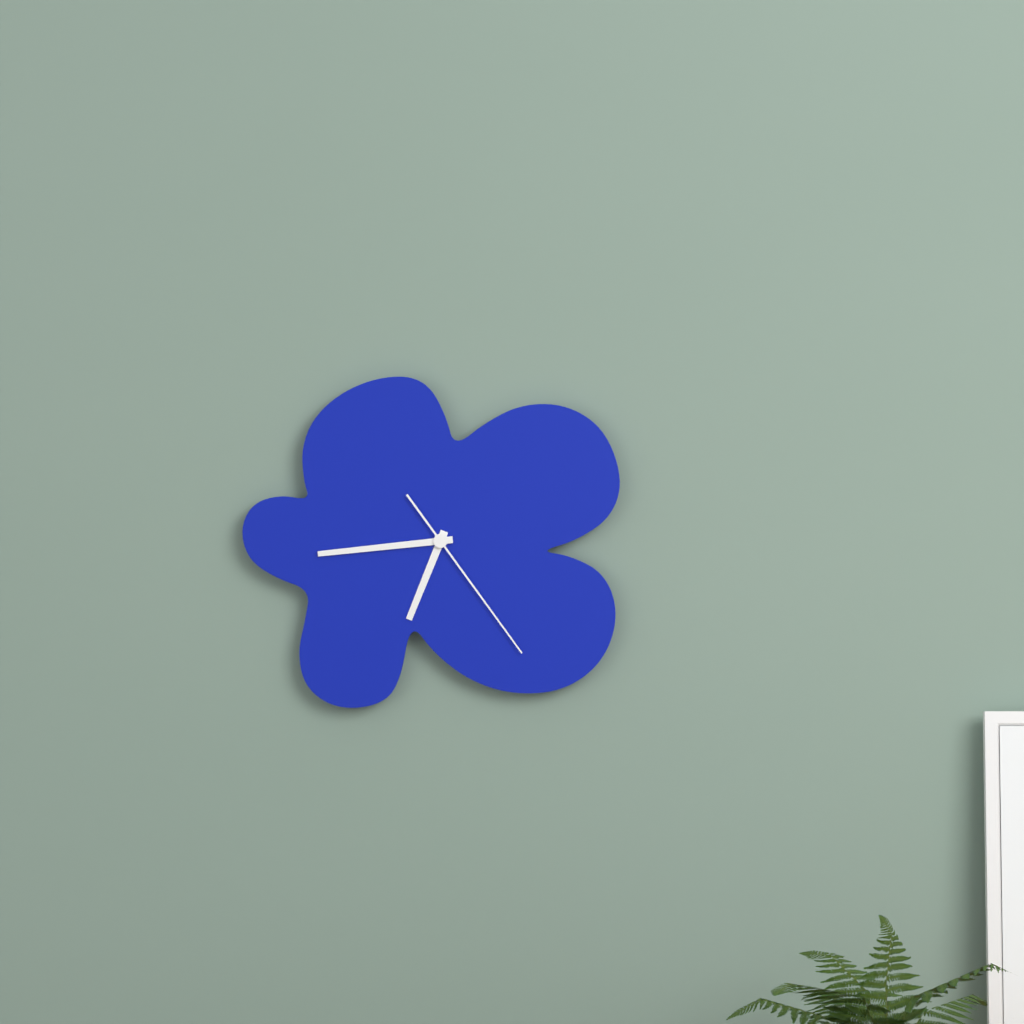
{"hour": 6, "minute": 44, "second": 24}
